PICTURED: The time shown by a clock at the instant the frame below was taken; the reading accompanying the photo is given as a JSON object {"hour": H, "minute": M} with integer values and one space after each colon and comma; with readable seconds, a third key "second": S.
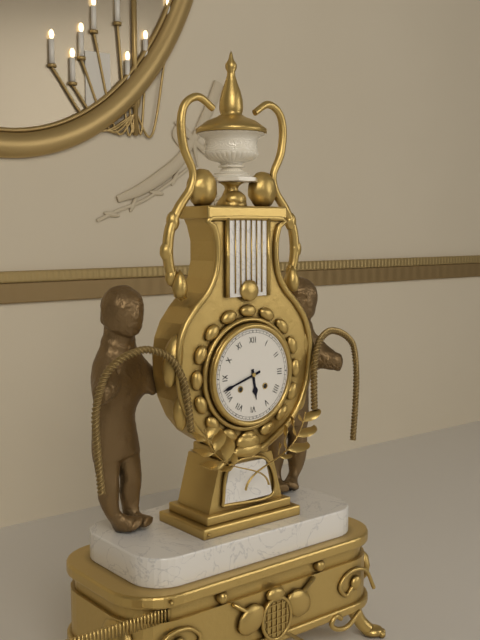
{"hour": 5, "minute": 42}
